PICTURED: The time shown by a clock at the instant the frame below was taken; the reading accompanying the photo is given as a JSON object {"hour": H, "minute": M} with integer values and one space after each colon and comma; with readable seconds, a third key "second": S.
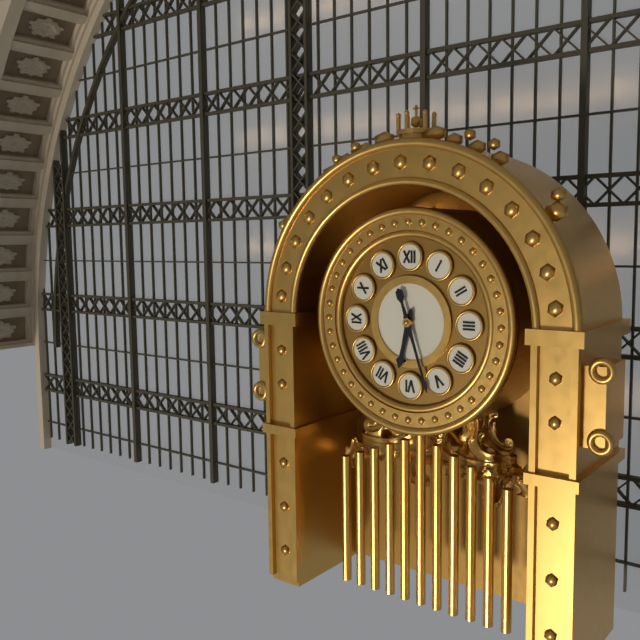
{"hour": 6, "minute": 27}
